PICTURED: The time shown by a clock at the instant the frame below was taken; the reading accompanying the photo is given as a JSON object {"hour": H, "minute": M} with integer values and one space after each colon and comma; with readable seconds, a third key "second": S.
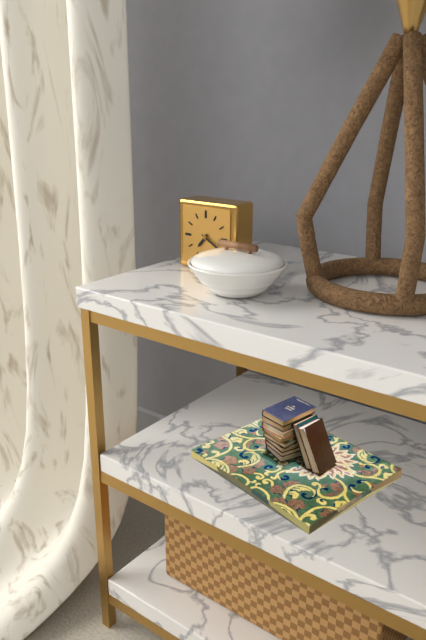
{"hour": 7, "minute": 20}
